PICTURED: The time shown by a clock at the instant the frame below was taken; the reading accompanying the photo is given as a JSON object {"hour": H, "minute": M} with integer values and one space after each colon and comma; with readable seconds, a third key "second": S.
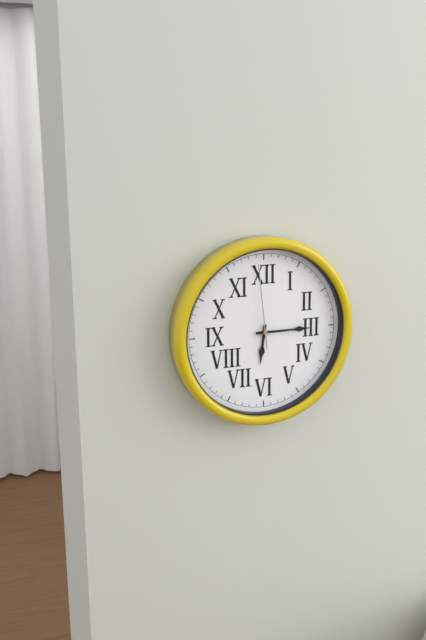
{"hour": 6, "minute": 15, "second": 59}
